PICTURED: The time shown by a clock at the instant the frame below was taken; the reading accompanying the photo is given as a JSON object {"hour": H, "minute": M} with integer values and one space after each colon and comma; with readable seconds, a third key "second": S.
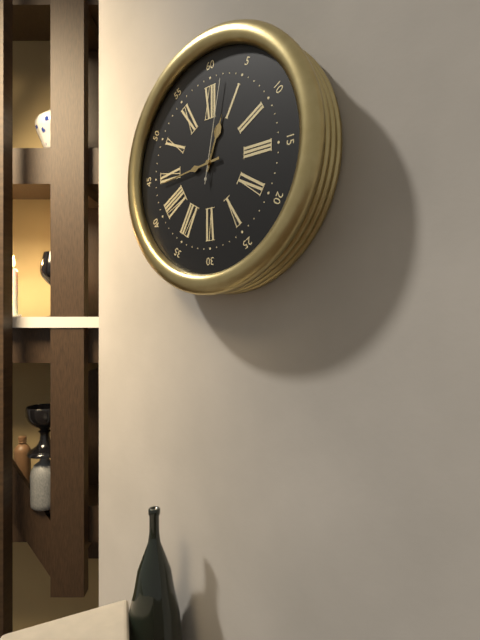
{"hour": 12, "minute": 44, "second": 2}
